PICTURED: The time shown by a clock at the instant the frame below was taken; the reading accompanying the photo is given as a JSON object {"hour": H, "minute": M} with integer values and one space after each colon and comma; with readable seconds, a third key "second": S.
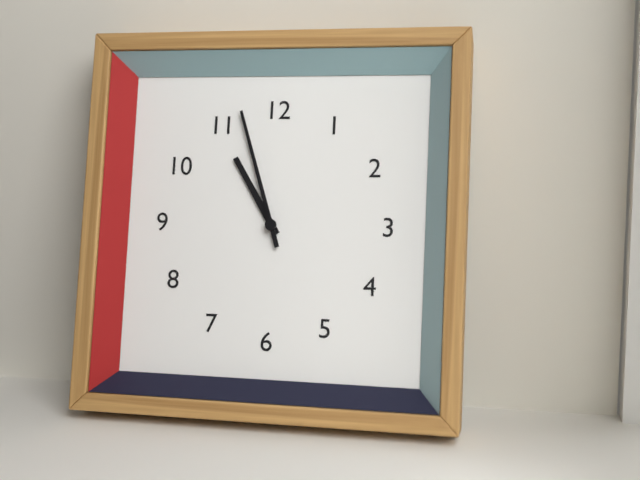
{"hour": 10, "minute": 57}
